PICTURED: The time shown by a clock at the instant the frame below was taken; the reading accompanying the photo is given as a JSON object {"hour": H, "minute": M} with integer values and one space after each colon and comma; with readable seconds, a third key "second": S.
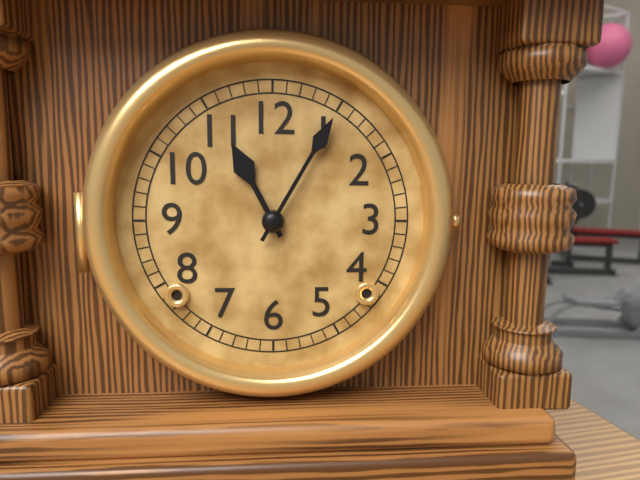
{"hour": 11, "minute": 5}
